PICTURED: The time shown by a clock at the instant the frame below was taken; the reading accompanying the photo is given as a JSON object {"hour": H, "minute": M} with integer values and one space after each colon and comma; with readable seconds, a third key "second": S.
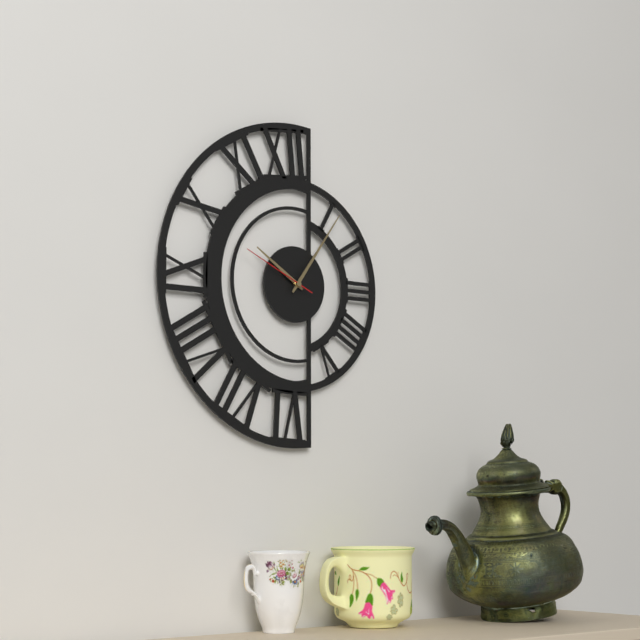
{"hour": 10, "minute": 6, "second": 49}
